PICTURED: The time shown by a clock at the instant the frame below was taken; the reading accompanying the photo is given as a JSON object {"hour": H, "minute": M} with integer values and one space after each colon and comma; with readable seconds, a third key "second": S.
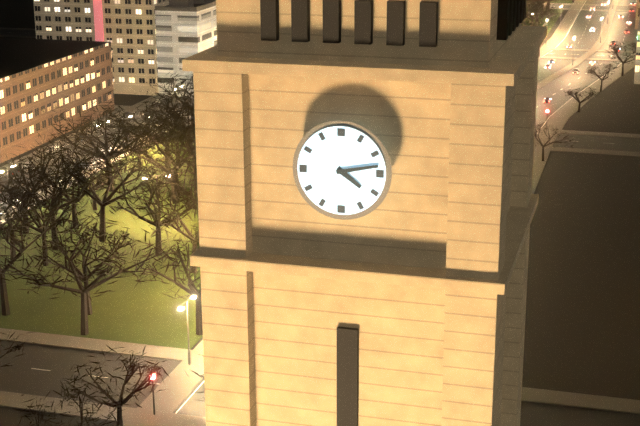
{"hour": 4, "minute": 13}
